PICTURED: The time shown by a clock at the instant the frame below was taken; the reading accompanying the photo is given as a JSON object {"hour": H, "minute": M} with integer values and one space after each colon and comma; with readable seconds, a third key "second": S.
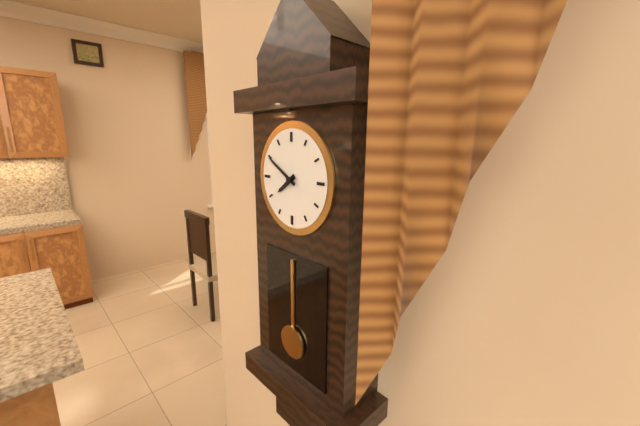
{"hour": 7, "minute": 50}
